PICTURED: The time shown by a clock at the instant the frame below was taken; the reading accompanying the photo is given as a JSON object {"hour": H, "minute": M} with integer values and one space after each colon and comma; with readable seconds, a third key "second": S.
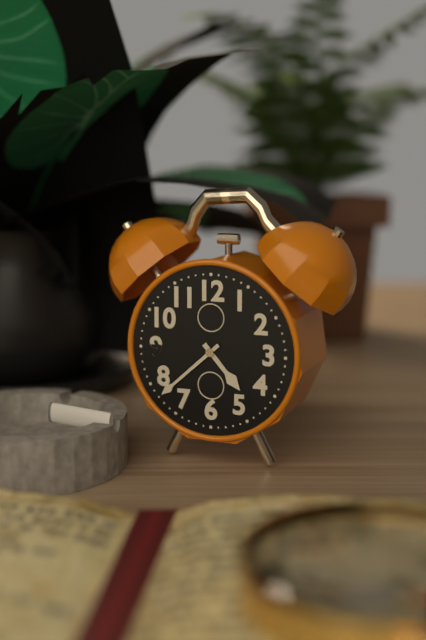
{"hour": 4, "minute": 38}
